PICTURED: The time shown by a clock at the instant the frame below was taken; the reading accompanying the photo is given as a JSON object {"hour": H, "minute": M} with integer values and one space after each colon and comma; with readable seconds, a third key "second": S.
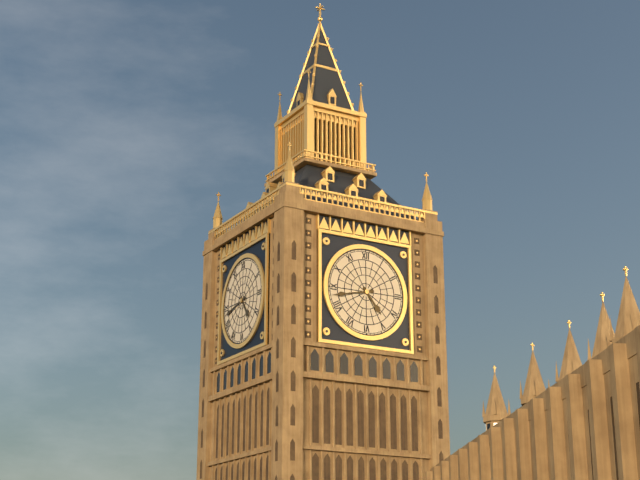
{"hour": 4, "minute": 43}
